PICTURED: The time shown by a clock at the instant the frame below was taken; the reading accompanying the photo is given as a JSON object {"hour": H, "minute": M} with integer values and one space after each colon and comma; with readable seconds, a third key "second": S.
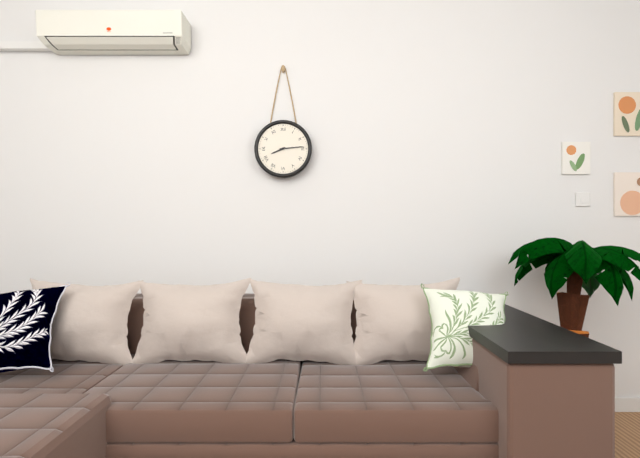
{"hour": 8, "minute": 14}
